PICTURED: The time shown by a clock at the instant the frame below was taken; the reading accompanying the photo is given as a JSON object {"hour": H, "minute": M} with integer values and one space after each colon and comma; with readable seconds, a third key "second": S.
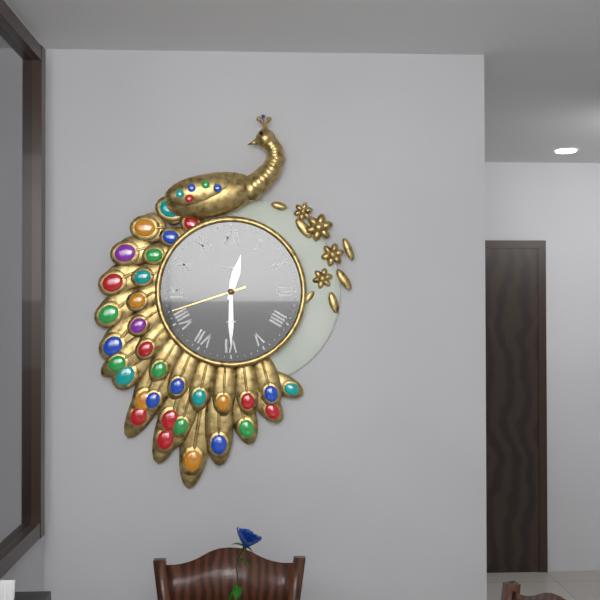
{"hour": 12, "minute": 30, "second": 42}
